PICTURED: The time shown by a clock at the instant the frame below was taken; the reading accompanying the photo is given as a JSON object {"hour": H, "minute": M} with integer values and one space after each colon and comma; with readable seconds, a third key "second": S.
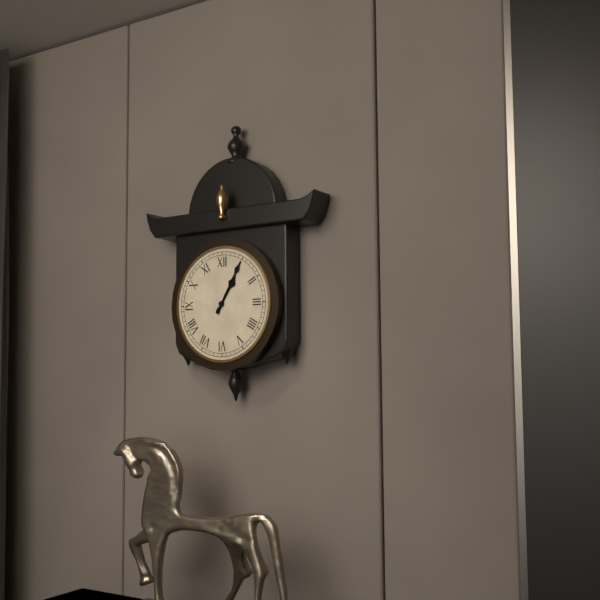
{"hour": 1, "minute": 5}
